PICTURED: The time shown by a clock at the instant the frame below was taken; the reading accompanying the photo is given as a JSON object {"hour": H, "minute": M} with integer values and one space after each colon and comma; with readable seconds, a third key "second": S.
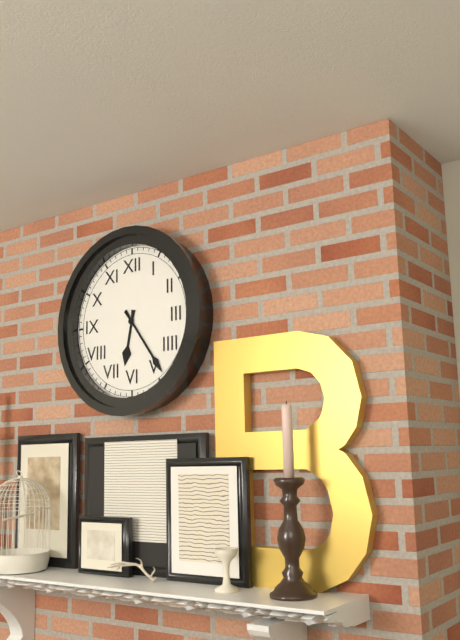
{"hour": 6, "minute": 24}
